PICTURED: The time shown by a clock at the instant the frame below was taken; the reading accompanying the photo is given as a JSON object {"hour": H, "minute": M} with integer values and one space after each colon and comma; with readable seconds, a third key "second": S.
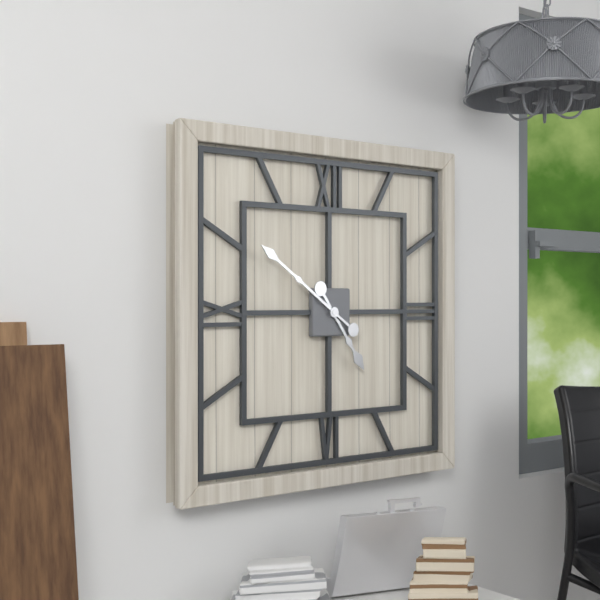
{"hour": 4, "minute": 51}
